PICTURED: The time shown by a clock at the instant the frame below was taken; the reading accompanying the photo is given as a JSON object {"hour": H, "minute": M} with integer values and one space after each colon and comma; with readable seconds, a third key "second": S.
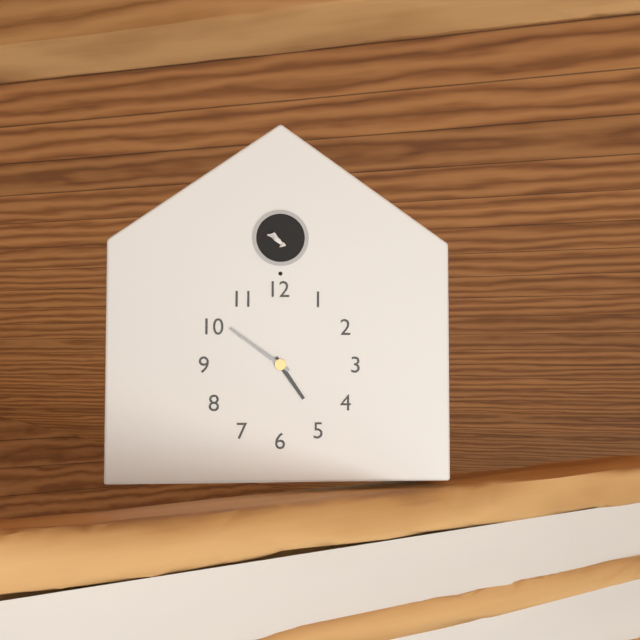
{"hour": 4, "minute": 51}
